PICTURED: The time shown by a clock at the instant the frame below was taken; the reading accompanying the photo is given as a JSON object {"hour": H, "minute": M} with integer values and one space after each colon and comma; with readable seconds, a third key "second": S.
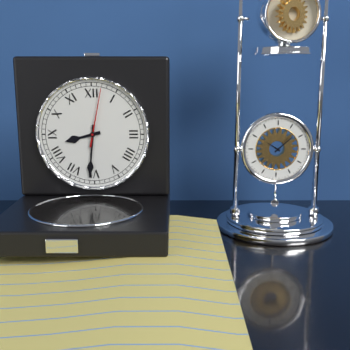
{"hour": 8, "minute": 31, "second": 2}
